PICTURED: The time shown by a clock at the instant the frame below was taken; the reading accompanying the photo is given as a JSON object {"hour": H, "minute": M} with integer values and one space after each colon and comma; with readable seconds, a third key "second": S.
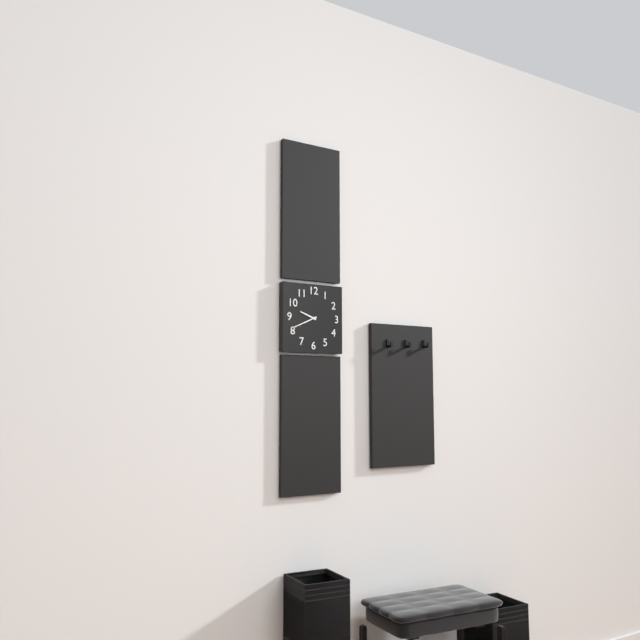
{"hour": 9, "minute": 41}
